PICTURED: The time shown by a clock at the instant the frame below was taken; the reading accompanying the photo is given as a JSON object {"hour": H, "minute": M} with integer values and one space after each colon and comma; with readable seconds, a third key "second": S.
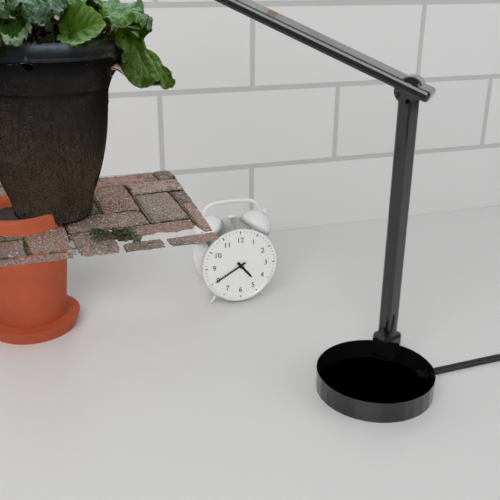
{"hour": 4, "minute": 40}
